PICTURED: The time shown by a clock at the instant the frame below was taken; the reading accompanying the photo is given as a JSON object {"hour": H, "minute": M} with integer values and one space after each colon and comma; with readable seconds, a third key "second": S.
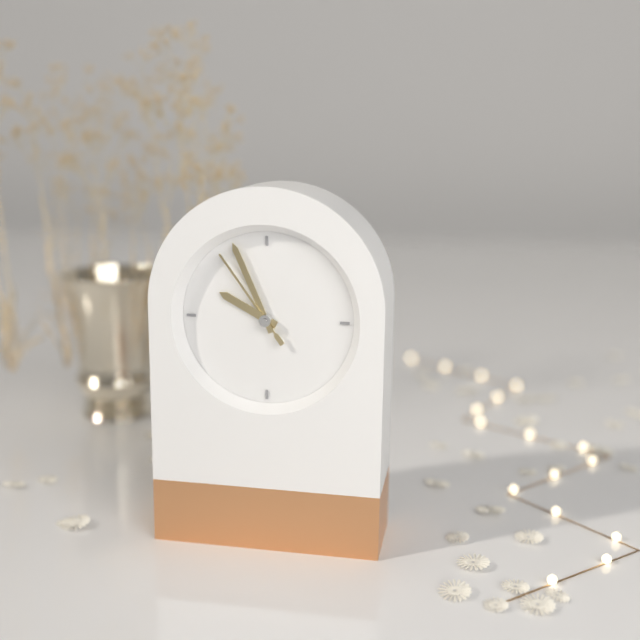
{"hour": 9, "minute": 56, "second": 54}
